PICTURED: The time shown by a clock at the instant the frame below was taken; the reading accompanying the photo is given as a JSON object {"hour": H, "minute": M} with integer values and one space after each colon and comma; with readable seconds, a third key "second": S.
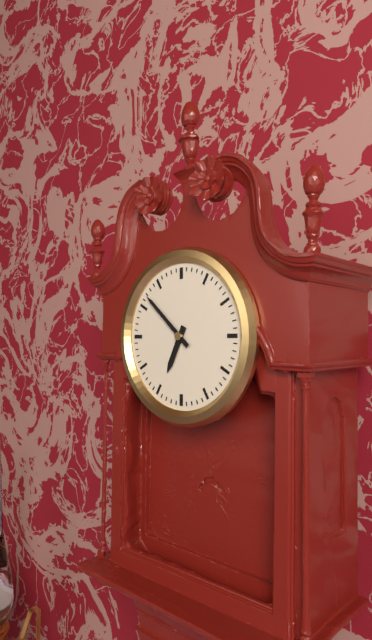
{"hour": 6, "minute": 52}
